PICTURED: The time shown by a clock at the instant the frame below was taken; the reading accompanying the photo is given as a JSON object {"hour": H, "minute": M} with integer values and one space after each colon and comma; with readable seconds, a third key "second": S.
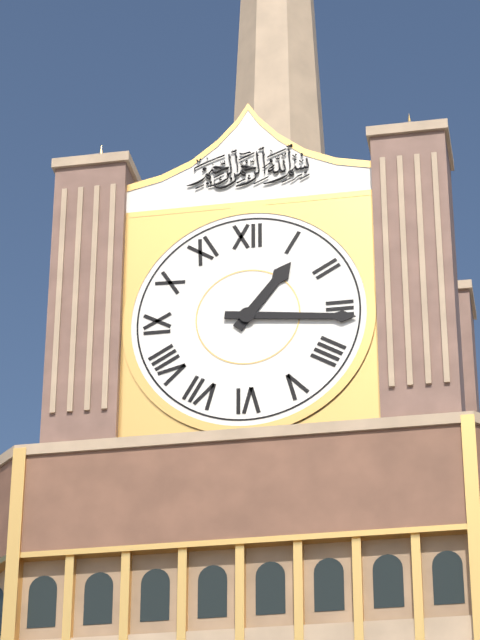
{"hour": 1, "minute": 16}
